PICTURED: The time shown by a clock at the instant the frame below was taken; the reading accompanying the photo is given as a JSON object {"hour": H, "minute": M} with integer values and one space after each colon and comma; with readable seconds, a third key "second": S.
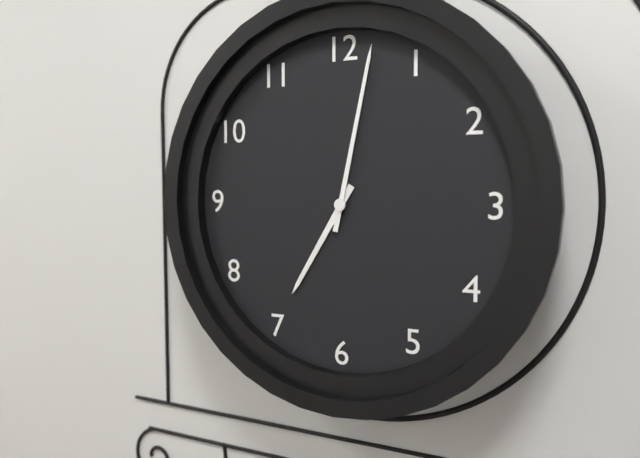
{"hour": 7, "minute": 2}
